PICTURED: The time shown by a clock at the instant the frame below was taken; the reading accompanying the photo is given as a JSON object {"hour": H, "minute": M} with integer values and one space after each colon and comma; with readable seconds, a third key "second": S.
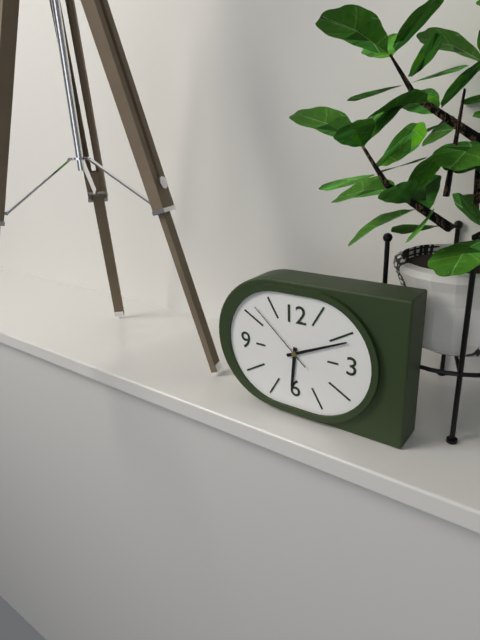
{"hour": 6, "minute": 11, "second": 52}
